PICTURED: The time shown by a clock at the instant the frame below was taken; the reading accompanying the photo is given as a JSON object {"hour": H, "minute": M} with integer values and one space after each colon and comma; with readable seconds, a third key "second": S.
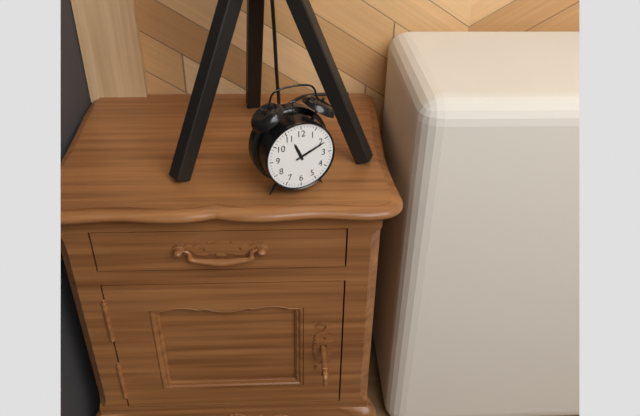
{"hour": 11, "minute": 11}
